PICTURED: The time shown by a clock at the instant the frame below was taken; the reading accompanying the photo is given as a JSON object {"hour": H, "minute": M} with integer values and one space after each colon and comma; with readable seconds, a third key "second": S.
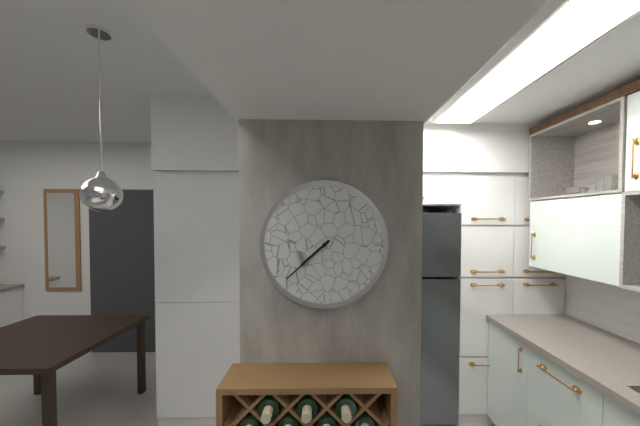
{"hour": 7, "minute": 38}
